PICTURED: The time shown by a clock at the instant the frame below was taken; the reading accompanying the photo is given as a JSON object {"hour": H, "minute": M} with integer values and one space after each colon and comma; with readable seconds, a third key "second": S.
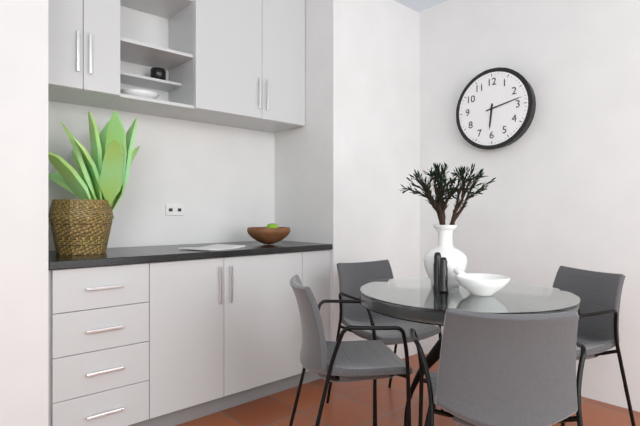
{"hour": 6, "minute": 13}
